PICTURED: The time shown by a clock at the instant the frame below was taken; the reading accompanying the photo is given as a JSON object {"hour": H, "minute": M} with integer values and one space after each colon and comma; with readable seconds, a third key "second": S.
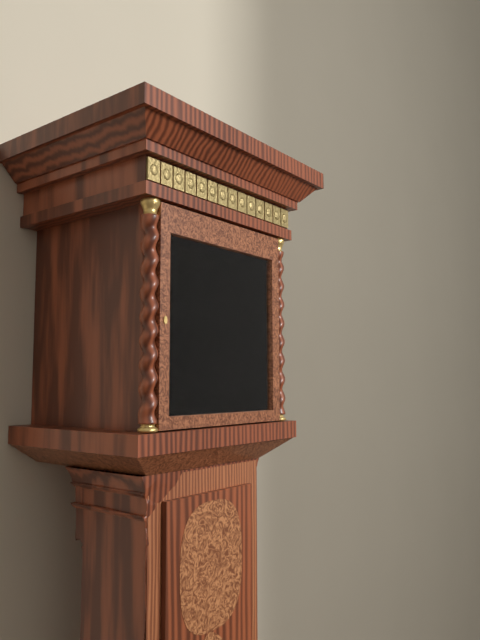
{"hour": 4, "minute": 59}
